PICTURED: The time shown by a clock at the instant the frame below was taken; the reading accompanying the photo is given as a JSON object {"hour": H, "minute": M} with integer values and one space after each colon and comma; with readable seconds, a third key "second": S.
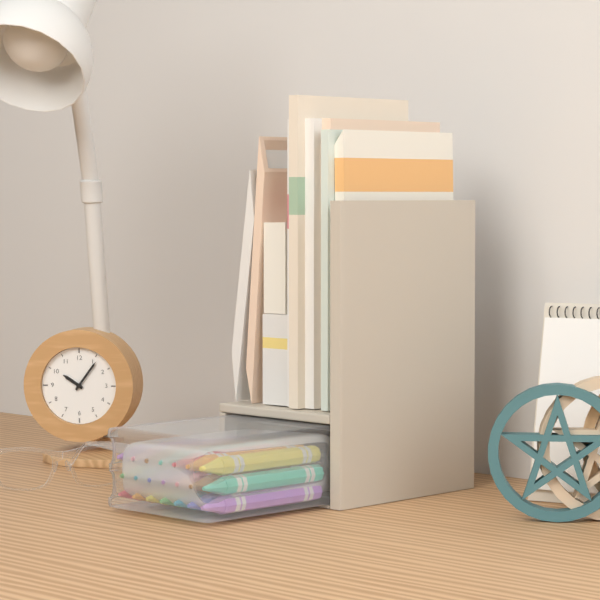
{"hour": 10, "minute": 6}
